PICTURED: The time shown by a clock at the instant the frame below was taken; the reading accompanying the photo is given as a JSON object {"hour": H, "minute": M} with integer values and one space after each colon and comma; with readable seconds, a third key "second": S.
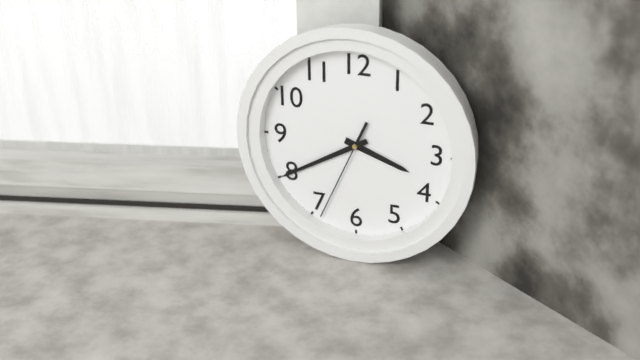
{"hour": 3, "minute": 40, "second": 34}
